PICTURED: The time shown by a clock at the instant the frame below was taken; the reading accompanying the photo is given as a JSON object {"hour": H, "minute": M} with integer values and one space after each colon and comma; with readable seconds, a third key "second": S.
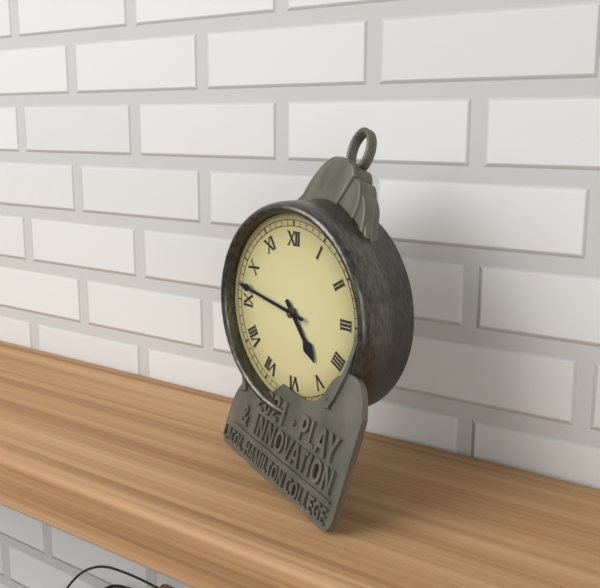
{"hour": 4, "minute": 47}
